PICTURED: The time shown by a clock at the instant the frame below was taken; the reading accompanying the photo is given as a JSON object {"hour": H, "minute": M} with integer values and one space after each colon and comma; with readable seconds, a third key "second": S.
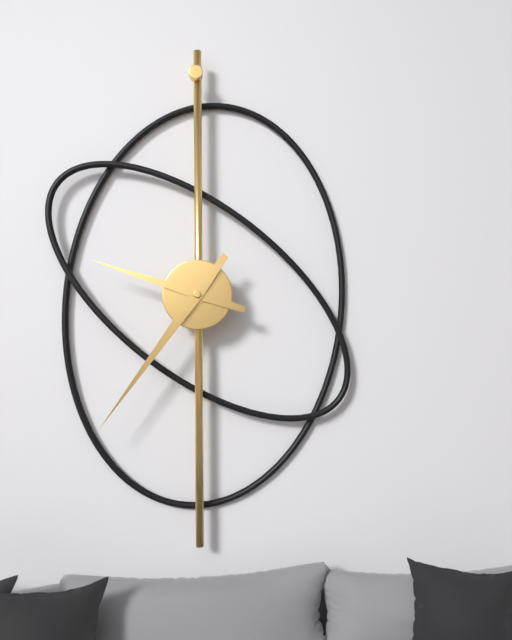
{"hour": 9, "minute": 36}
